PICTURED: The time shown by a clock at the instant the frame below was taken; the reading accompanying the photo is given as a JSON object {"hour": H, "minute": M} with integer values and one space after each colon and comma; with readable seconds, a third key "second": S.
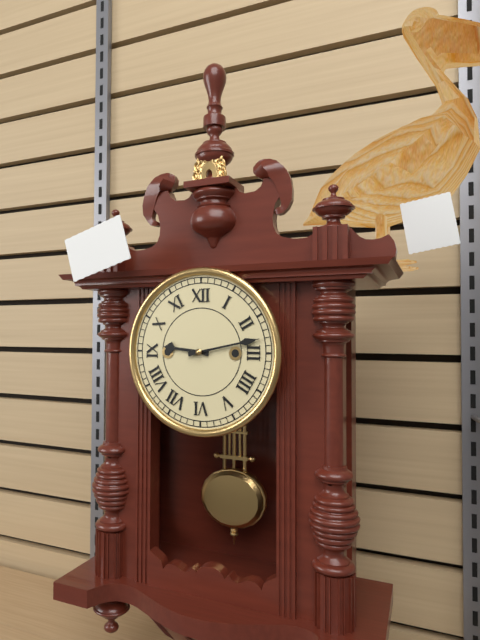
{"hour": 9, "minute": 13}
